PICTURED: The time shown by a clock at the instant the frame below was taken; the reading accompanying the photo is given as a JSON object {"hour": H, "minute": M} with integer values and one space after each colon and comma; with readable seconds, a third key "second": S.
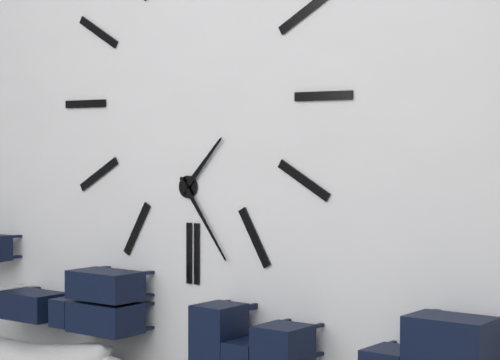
{"hour": 1, "minute": 24}
